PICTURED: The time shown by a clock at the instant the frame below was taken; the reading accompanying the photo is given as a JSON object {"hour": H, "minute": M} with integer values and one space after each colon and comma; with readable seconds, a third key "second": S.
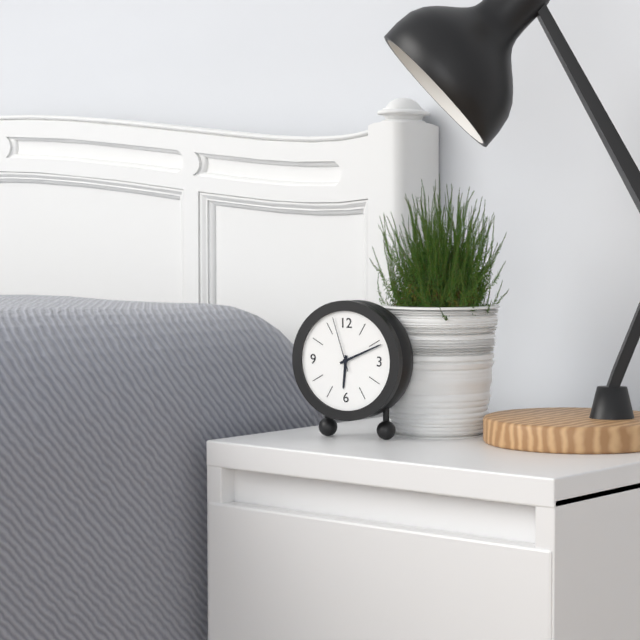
{"hour": 6, "minute": 11, "second": 57}
